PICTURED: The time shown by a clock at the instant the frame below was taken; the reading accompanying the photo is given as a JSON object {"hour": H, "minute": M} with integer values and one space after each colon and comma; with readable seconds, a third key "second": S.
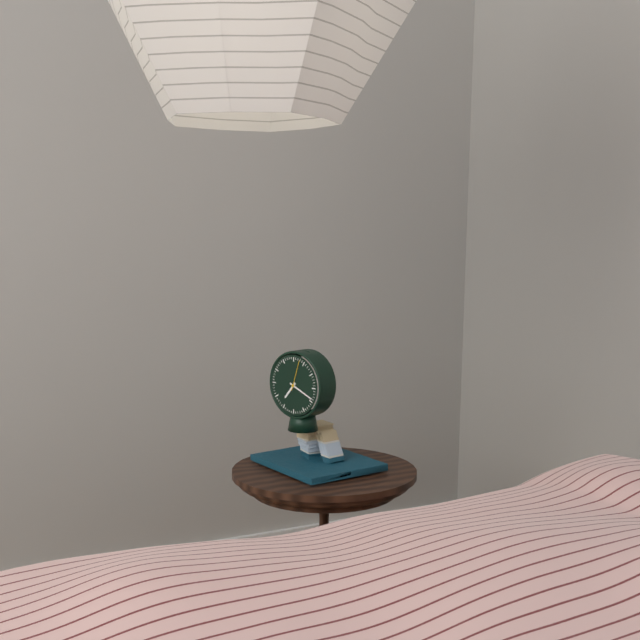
{"hour": 7, "minute": 19}
